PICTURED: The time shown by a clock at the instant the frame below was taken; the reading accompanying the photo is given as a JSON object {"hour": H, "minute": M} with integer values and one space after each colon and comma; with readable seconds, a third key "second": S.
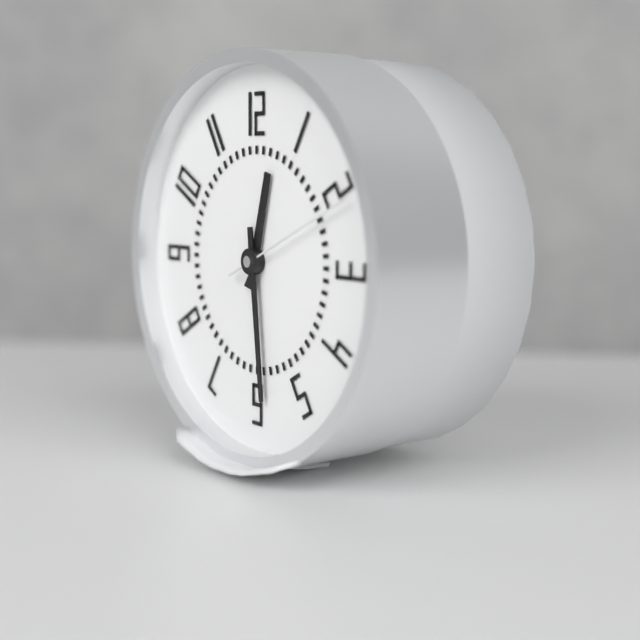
{"hour": 12, "minute": 29, "second": 11}
